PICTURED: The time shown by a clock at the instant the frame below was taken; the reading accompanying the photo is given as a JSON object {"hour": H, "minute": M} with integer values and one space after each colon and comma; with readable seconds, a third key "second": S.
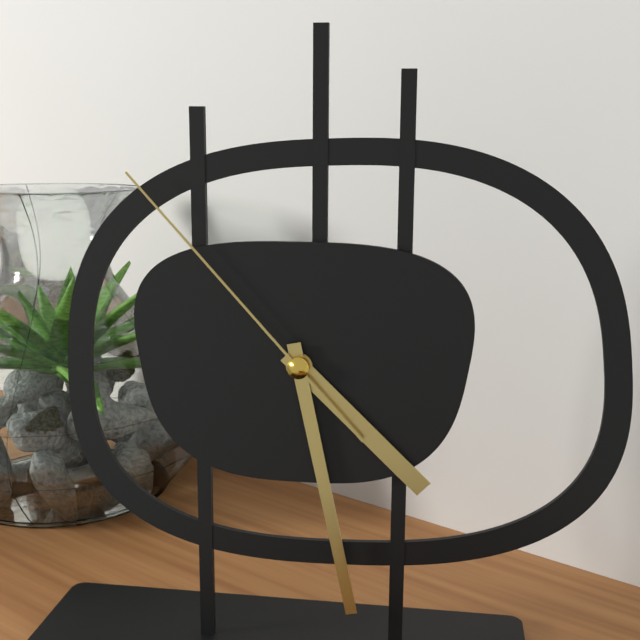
{"hour": 4, "minute": 28, "second": 53}
